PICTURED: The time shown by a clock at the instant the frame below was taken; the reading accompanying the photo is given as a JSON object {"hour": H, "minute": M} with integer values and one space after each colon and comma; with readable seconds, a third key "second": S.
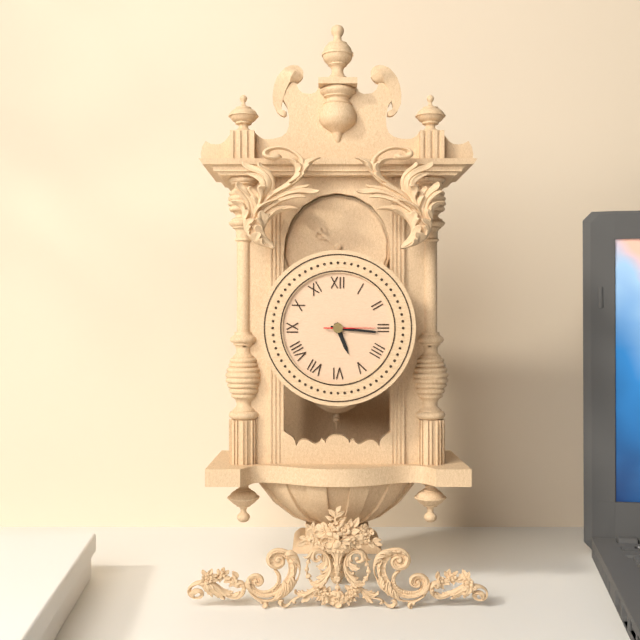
{"hour": 5, "minute": 16}
